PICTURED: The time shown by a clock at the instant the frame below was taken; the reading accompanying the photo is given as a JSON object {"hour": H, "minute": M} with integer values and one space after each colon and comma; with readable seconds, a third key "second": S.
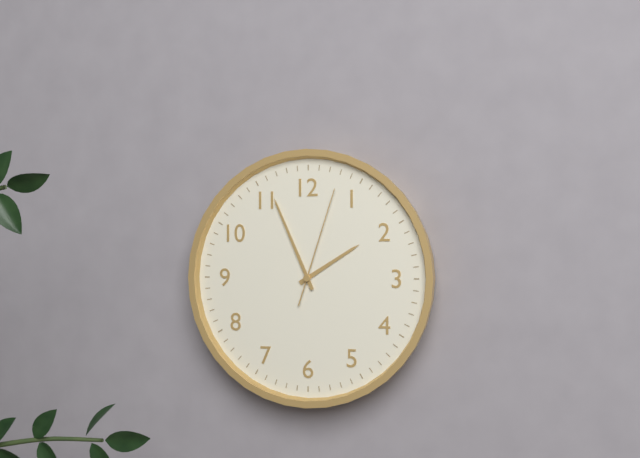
{"hour": 1, "minute": 56, "second": 3}
